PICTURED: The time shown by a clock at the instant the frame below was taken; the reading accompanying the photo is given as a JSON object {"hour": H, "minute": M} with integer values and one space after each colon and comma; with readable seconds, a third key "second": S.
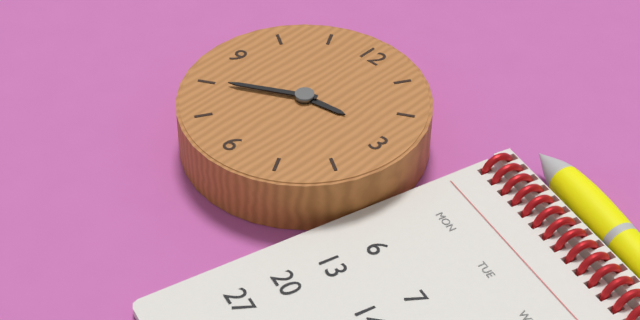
{"hour": 2, "minute": 40}
